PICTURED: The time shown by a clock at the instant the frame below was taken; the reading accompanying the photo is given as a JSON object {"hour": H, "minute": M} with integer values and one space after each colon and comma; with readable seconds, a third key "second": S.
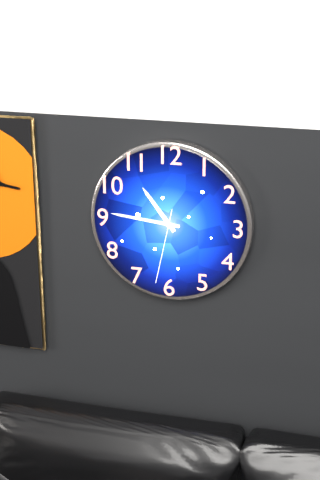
{"hour": 10, "minute": 46, "second": 32}
